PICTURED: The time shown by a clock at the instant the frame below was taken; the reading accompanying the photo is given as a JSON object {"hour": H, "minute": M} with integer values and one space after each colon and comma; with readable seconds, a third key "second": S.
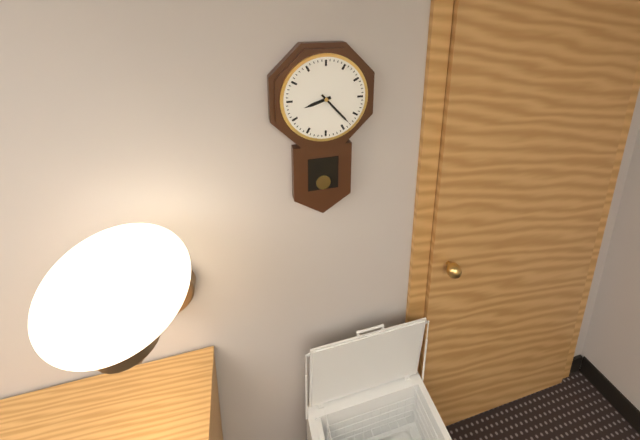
{"hour": 8, "minute": 23}
